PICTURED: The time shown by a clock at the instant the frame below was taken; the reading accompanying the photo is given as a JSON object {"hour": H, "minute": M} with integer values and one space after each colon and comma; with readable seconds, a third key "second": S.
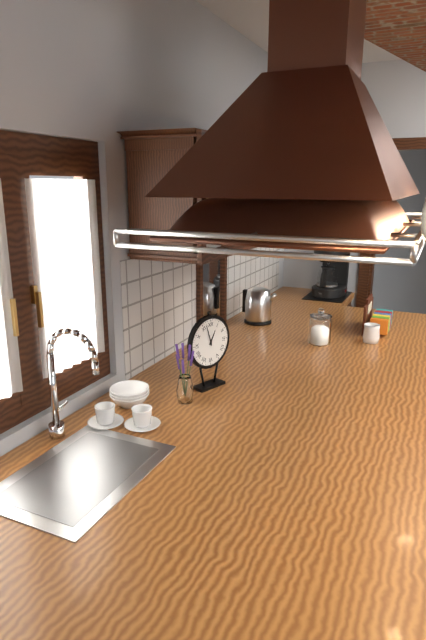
{"hour": 12, "minute": 57}
